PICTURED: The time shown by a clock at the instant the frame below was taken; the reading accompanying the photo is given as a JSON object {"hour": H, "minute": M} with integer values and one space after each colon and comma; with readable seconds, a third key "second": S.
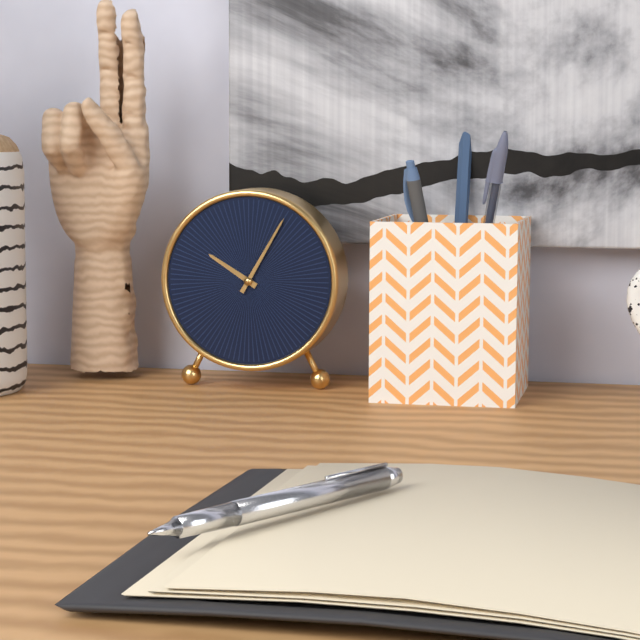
{"hour": 10, "minute": 5}
